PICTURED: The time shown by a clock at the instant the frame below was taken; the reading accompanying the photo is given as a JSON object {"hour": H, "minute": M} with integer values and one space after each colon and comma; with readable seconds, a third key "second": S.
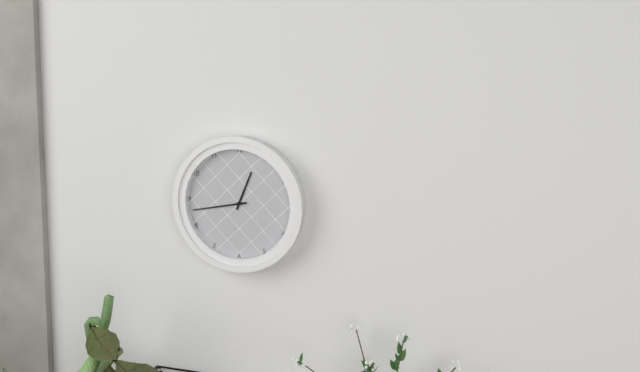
{"hour": 12, "minute": 43}
